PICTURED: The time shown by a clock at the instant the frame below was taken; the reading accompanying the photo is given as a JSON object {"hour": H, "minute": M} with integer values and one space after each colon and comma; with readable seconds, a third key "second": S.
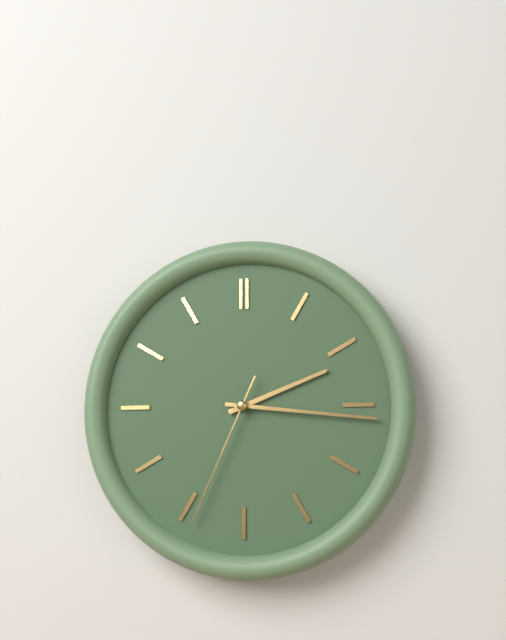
{"hour": 2, "minute": 16, "second": 34}
